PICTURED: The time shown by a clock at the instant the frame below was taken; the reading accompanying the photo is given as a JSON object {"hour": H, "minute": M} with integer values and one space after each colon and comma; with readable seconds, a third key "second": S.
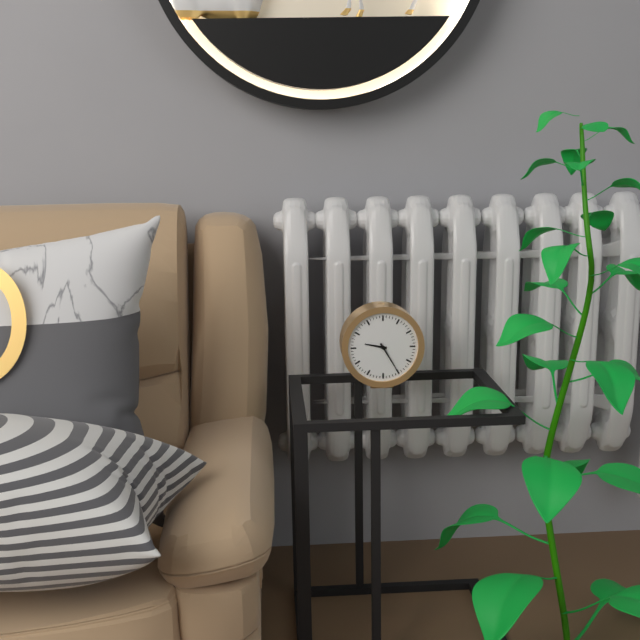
{"hour": 9, "minute": 25}
